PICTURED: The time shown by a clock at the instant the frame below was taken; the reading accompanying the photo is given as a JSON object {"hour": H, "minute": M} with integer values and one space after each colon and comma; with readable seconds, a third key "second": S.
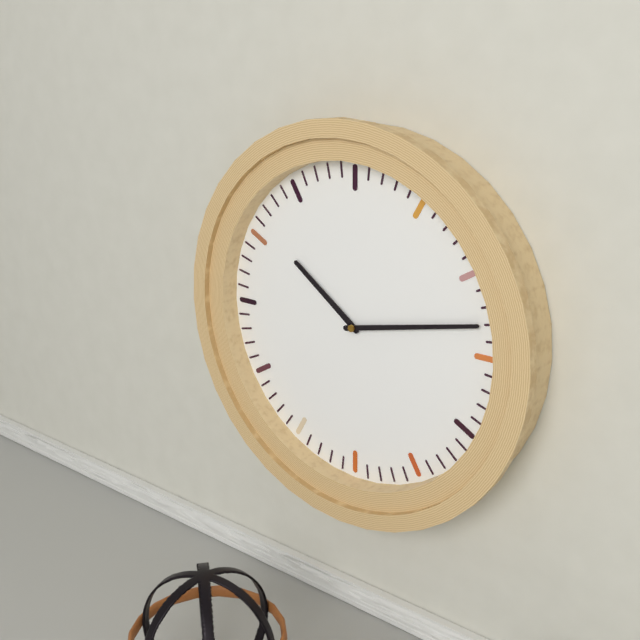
{"hour": 10, "minute": 13}
